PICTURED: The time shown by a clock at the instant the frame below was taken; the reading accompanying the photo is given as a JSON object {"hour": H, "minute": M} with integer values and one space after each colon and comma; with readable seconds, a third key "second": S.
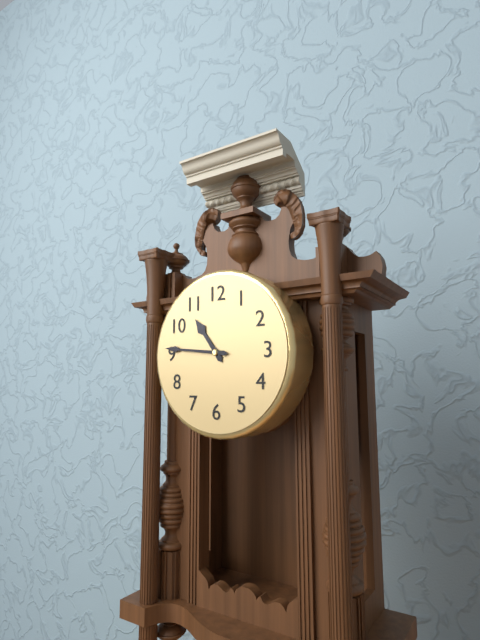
{"hour": 10, "minute": 46}
